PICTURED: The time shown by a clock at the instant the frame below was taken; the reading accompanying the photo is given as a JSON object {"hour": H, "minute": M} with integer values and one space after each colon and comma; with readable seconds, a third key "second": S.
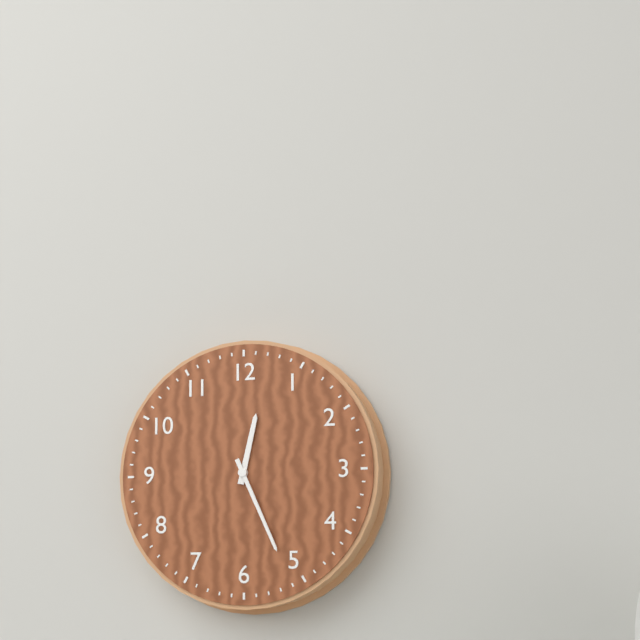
{"hour": 12, "minute": 26}
